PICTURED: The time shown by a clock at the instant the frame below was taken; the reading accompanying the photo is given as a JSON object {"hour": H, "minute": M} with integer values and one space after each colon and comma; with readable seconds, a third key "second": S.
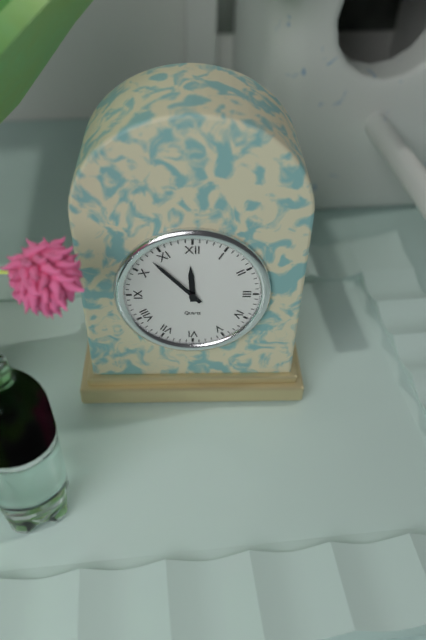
{"hour": 11, "minute": 53}
